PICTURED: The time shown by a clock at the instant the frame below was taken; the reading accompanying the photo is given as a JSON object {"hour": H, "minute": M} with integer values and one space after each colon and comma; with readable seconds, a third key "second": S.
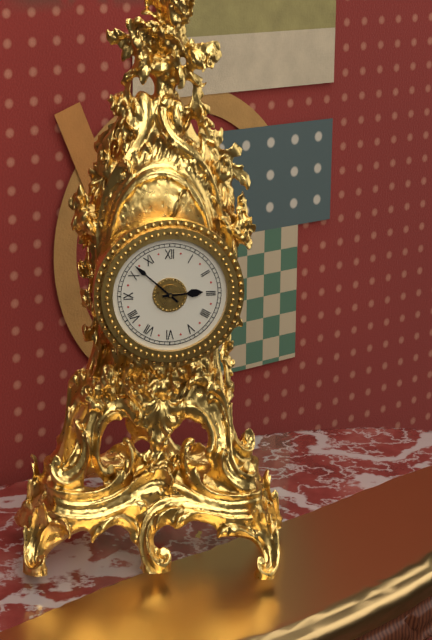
{"hour": 2, "minute": 52}
